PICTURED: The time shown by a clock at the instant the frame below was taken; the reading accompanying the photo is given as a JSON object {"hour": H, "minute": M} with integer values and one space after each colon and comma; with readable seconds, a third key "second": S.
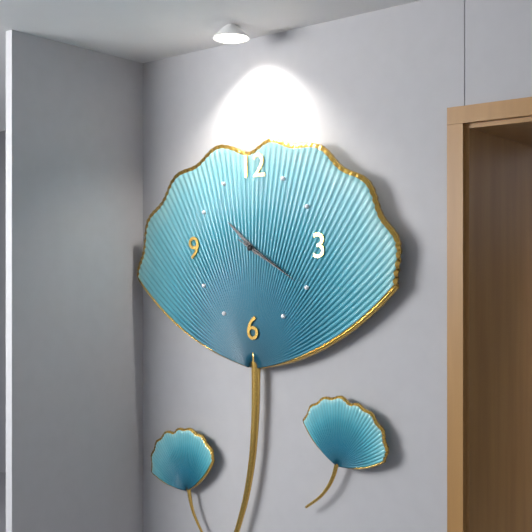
{"hour": 10, "minute": 20, "second": 20}
